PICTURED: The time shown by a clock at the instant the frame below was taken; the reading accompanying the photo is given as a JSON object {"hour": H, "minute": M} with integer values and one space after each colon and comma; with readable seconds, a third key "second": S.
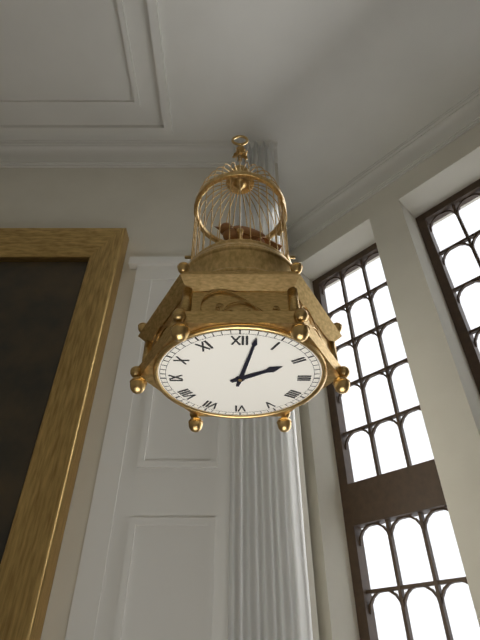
{"hour": 2, "minute": 2}
